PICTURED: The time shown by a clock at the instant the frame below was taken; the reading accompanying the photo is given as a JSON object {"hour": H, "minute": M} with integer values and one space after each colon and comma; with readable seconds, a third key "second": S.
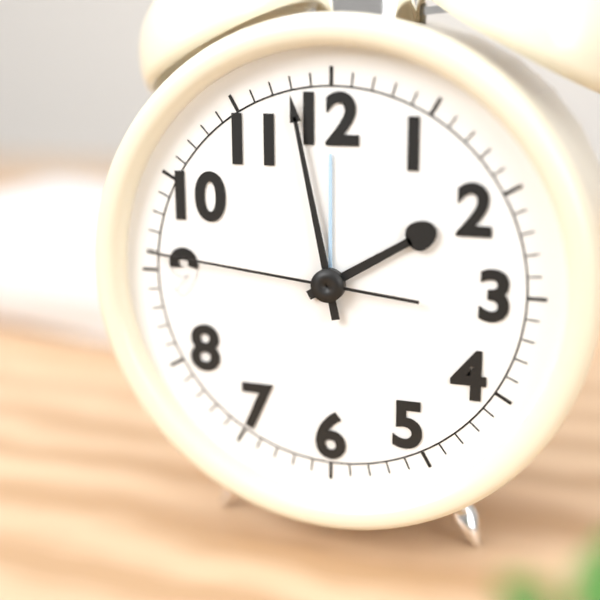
{"hour": 1, "minute": 58, "second": 46}
